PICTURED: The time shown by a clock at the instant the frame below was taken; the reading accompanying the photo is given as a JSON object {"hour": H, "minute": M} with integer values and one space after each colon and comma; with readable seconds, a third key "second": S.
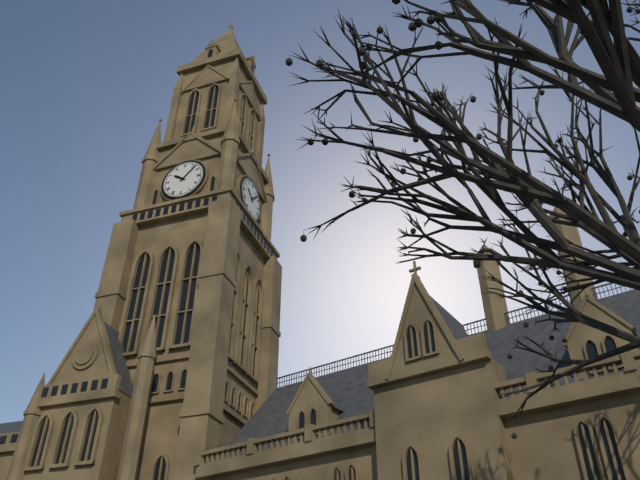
{"hour": 10, "minute": 7}
